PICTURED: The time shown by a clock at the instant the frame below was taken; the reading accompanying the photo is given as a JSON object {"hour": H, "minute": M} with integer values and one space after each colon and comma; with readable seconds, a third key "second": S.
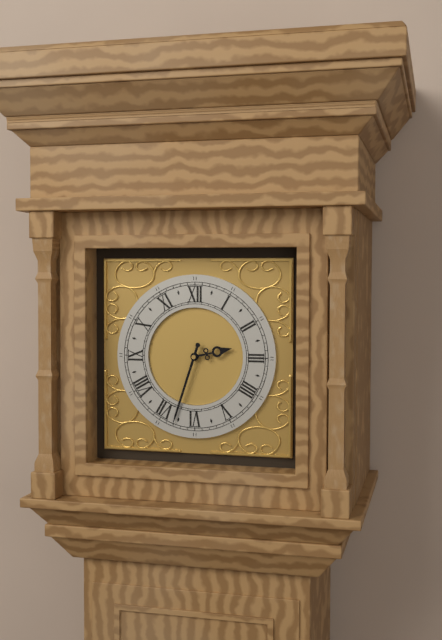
{"hour": 2, "minute": 33}
